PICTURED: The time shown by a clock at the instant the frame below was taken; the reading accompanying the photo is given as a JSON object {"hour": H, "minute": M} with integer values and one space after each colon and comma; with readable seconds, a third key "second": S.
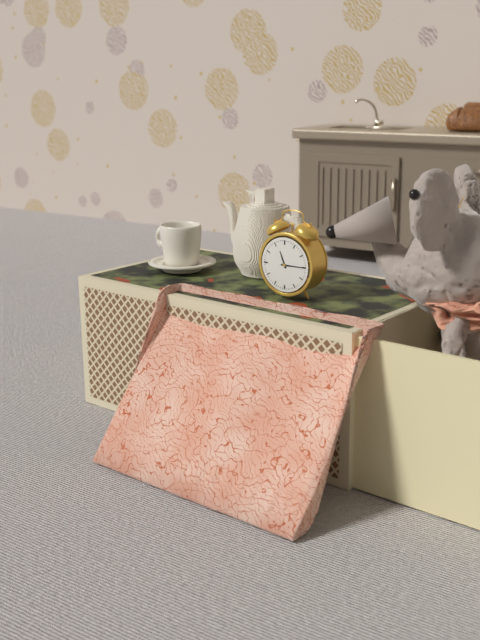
{"hour": 11, "minute": 15}
